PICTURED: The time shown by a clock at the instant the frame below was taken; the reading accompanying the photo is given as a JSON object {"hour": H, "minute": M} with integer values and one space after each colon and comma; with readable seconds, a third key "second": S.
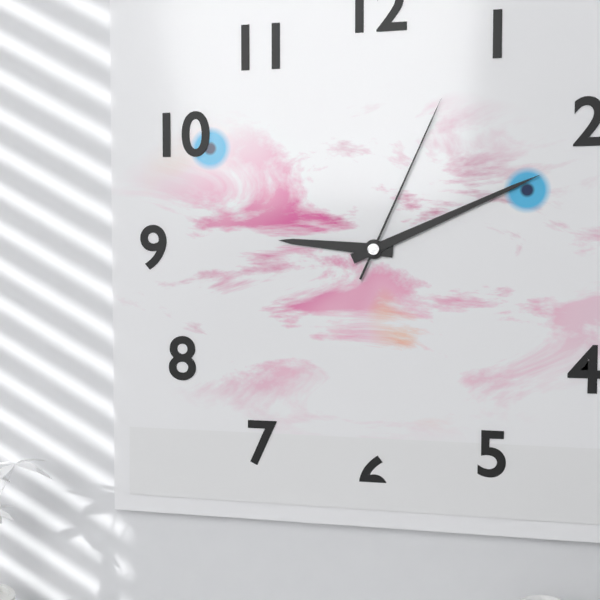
{"hour": 9, "minute": 11, "second": 4}
